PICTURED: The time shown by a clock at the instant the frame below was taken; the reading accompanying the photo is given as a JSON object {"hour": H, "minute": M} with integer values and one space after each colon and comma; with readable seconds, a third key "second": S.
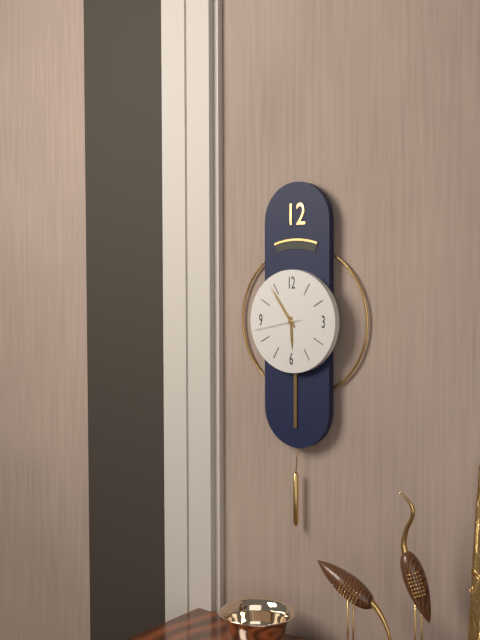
{"hour": 5, "minute": 54}
